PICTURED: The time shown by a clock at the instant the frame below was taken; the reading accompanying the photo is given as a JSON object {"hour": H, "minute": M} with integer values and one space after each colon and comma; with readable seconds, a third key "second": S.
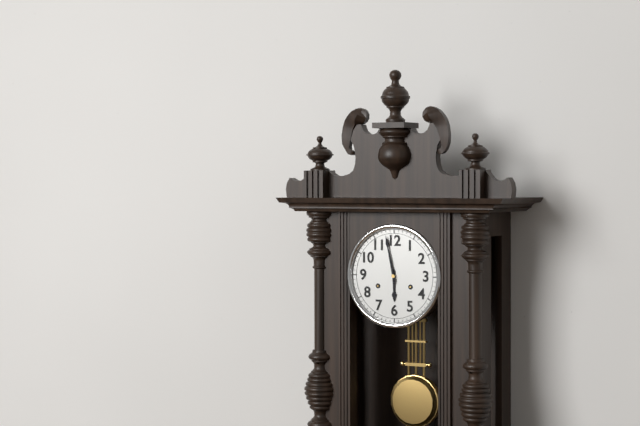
{"hour": 5, "minute": 58}
